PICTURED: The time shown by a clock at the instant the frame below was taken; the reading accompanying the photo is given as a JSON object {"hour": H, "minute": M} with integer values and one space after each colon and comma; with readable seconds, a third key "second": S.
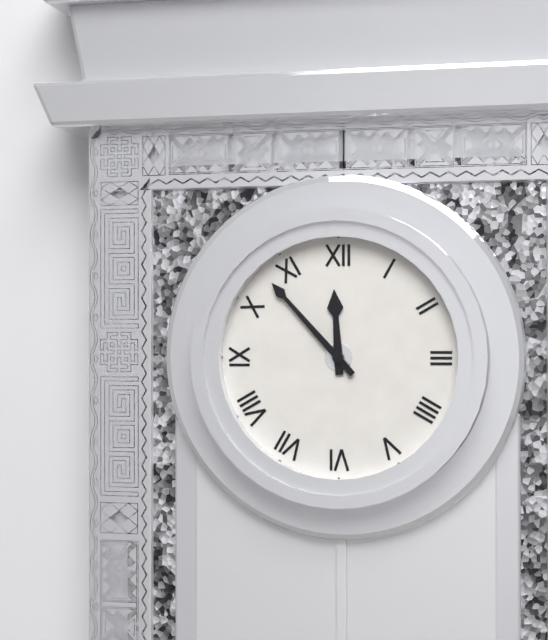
{"hour": 11, "minute": 53}
